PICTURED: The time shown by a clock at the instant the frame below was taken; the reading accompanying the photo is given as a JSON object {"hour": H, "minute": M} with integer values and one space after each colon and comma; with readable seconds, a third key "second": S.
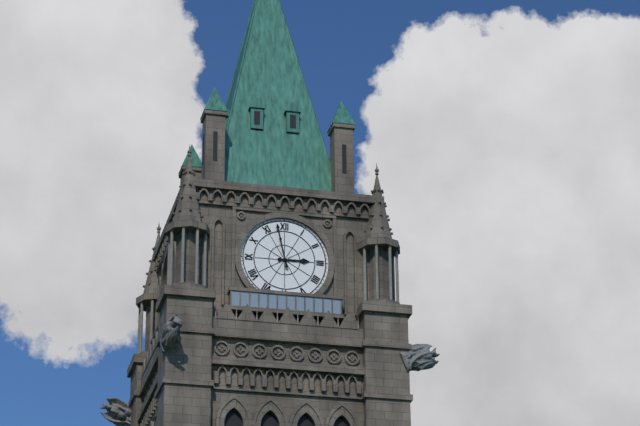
{"hour": 2, "minute": 58}
